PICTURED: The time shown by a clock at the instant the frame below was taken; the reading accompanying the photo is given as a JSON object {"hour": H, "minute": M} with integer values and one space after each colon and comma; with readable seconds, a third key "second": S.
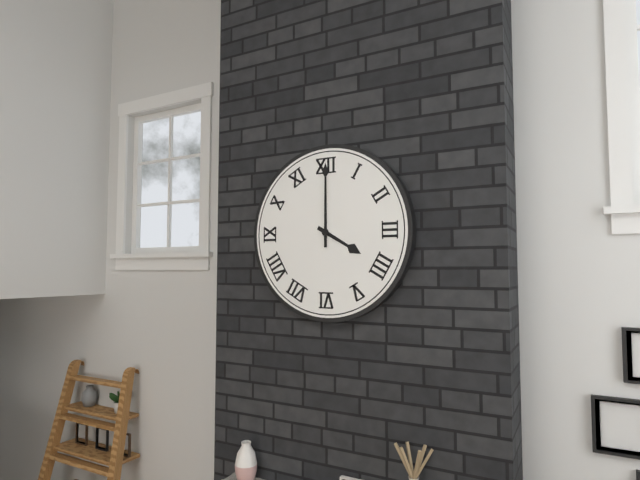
{"hour": 4, "minute": 0}
